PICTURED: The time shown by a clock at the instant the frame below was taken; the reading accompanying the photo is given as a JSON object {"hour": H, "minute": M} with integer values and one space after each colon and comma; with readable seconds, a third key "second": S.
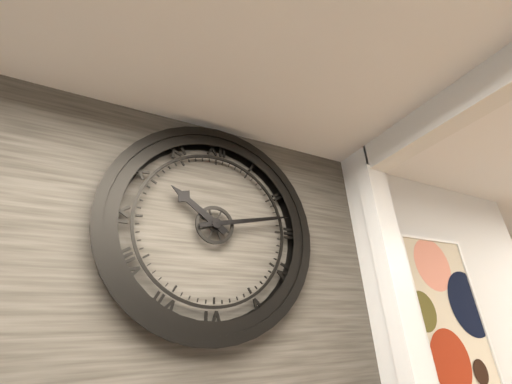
{"hour": 10, "minute": 13}
